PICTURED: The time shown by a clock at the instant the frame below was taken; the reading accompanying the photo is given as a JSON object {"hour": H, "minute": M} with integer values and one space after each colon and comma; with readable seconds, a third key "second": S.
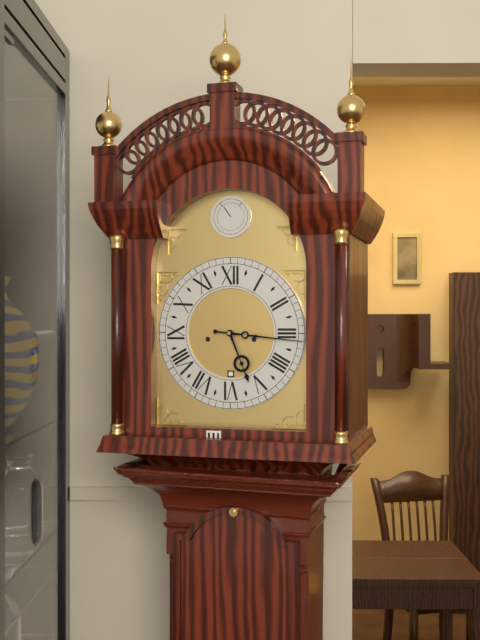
{"hour": 5, "minute": 16}
